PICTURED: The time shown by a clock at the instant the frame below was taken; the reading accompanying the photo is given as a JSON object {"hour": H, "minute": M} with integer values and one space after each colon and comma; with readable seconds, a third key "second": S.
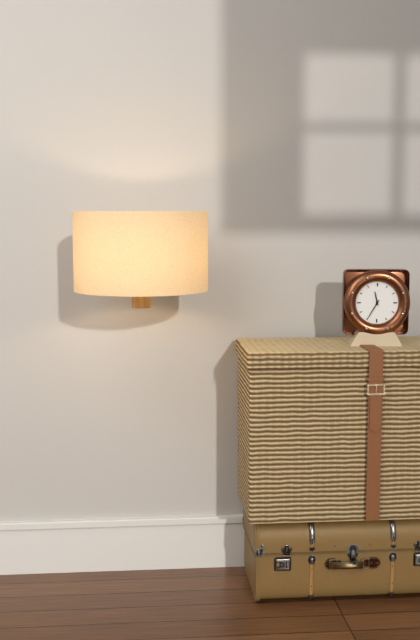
{"hour": 11, "minute": 35}
